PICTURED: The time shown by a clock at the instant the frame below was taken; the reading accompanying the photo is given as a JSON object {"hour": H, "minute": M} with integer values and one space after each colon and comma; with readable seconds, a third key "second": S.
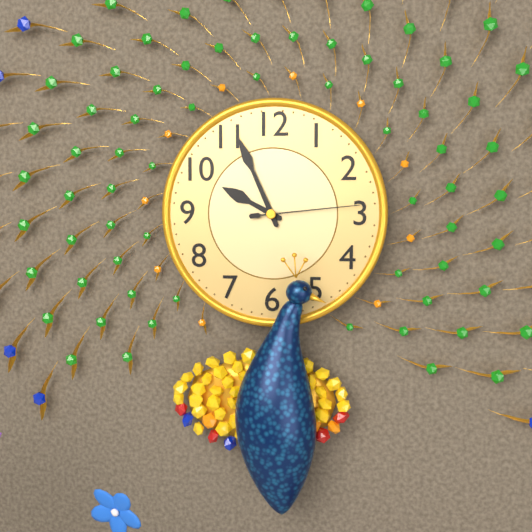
{"hour": 9, "minute": 56, "second": 14}
